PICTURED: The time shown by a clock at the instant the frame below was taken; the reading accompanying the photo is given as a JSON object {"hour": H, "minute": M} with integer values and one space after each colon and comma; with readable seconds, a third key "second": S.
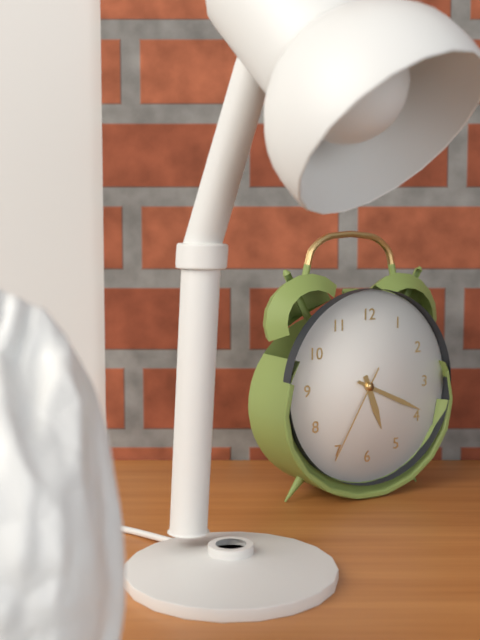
{"hour": 5, "minute": 19, "second": 35}
